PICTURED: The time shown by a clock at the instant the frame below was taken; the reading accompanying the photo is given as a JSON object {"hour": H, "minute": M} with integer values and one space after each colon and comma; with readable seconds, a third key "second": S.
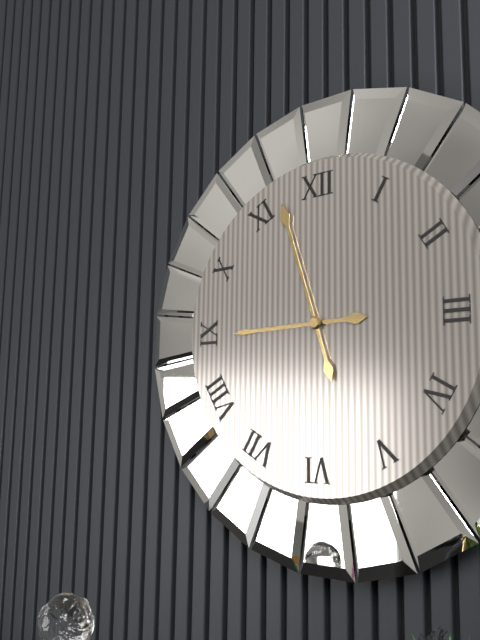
{"hour": 8, "minute": 57}
